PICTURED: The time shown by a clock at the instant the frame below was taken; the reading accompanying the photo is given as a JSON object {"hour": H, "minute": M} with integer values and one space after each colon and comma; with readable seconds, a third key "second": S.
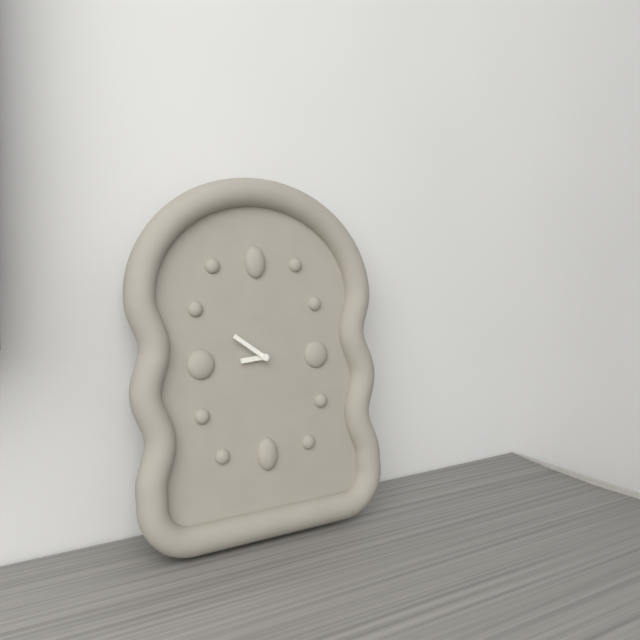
{"hour": 8, "minute": 51}
